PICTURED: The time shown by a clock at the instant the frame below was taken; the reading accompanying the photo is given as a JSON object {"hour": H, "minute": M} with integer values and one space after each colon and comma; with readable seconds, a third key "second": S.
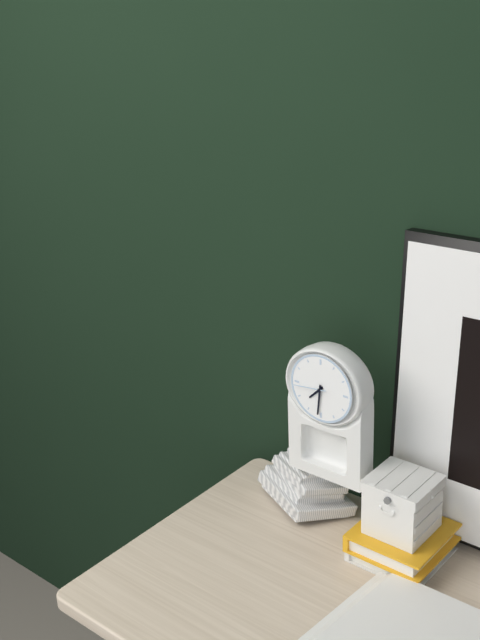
{"hour": 7, "minute": 31}
